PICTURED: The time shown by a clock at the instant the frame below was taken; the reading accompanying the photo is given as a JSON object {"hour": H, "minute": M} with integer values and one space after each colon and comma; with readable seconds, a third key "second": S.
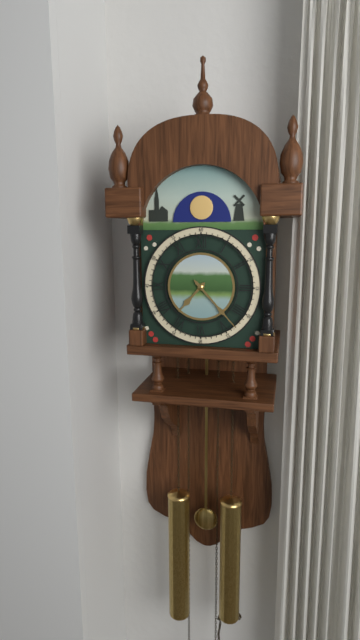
{"hour": 7, "minute": 23}
